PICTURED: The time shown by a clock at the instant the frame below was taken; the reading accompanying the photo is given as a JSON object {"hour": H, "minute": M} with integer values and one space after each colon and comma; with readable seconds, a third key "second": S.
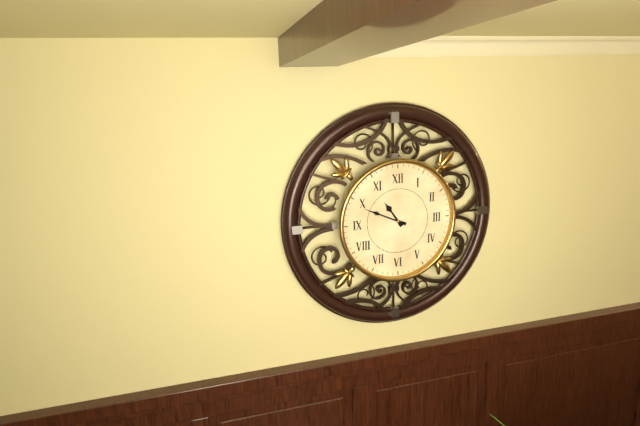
{"hour": 10, "minute": 49}
